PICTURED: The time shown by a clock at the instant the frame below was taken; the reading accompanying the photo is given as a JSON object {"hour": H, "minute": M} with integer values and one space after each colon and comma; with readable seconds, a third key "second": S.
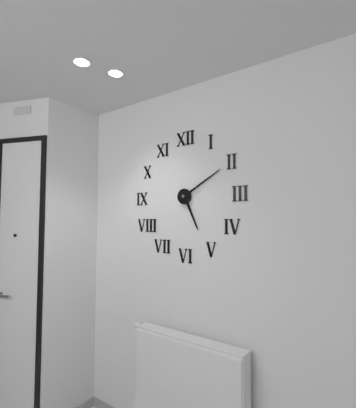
{"hour": 5, "minute": 10}
